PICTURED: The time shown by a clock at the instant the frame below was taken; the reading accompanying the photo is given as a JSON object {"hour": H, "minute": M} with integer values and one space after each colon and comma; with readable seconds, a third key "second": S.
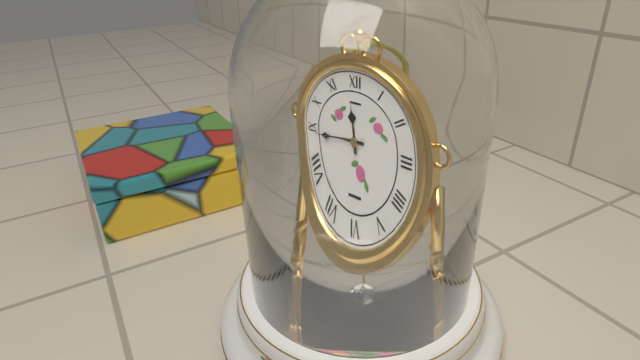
{"hour": 11, "minute": 44}
